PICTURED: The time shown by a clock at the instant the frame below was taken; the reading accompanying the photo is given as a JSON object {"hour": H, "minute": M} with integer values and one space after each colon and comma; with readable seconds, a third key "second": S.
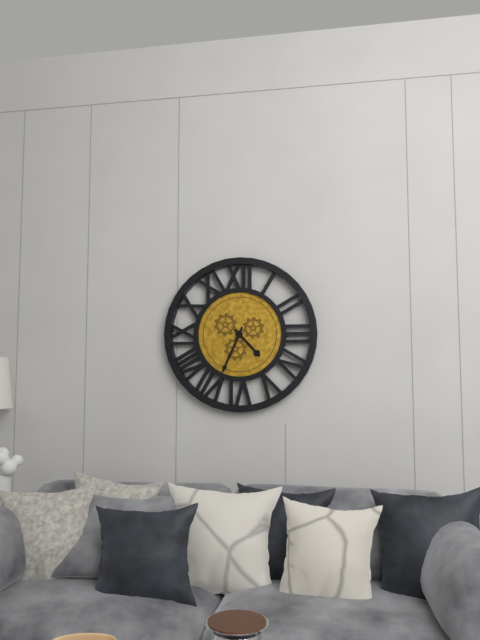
{"hour": 4, "minute": 34}
